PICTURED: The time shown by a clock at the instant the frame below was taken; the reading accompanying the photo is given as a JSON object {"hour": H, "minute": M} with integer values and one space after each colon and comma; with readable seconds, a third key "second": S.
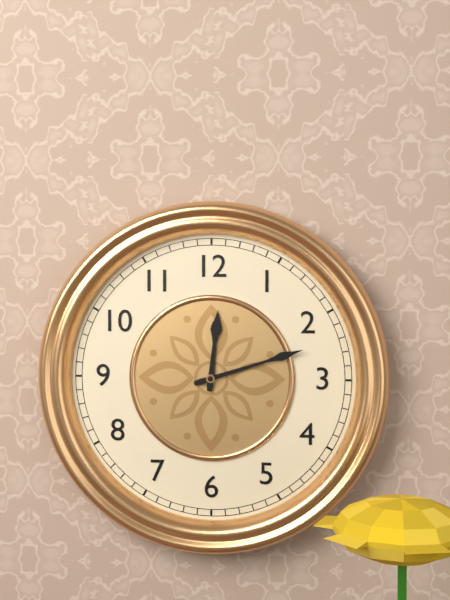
{"hour": 12, "minute": 12}
